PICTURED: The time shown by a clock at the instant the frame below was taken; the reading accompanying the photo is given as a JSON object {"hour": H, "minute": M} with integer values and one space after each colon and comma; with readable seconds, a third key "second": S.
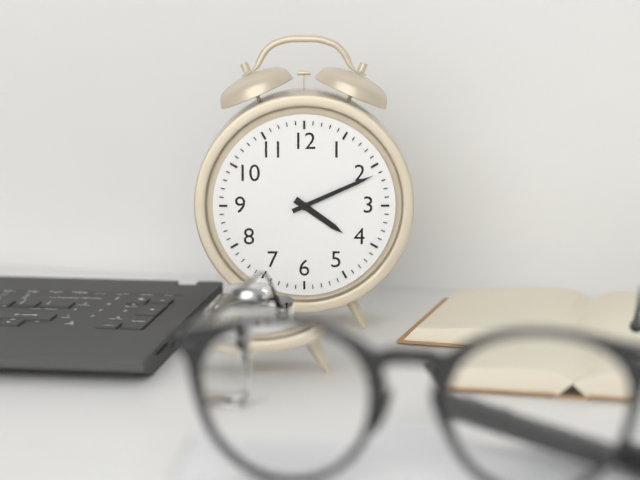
{"hour": 4, "minute": 11}
